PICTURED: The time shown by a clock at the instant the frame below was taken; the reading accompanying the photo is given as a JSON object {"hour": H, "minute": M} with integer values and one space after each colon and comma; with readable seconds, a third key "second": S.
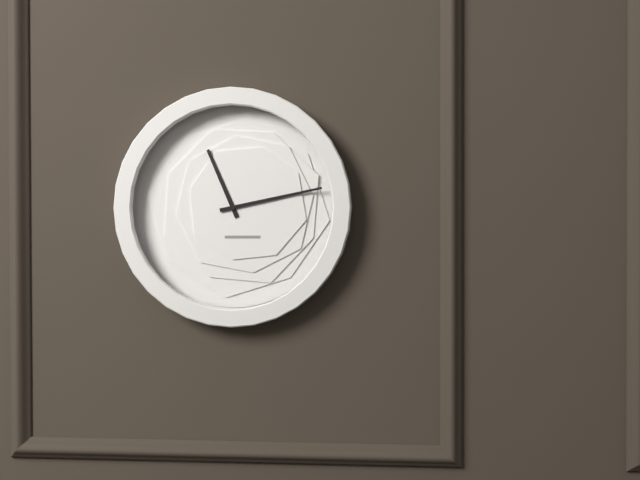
{"hour": 11, "minute": 13}
